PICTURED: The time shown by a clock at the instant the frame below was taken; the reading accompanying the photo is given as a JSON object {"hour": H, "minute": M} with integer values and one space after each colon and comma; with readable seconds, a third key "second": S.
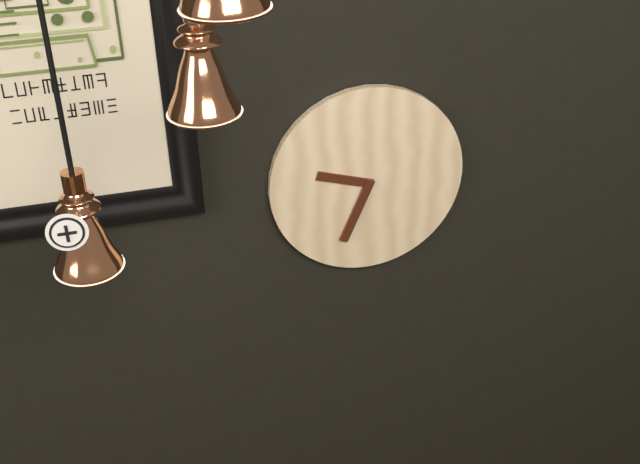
{"hour": 9, "minute": 34}
